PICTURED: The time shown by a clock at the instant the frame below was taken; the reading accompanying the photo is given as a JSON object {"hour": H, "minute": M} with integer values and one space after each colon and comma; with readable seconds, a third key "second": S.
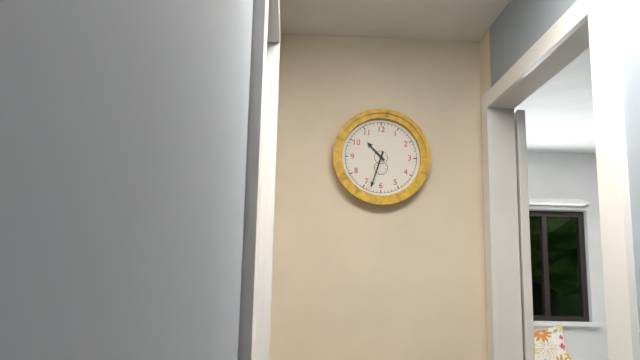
{"hour": 10, "minute": 33}
